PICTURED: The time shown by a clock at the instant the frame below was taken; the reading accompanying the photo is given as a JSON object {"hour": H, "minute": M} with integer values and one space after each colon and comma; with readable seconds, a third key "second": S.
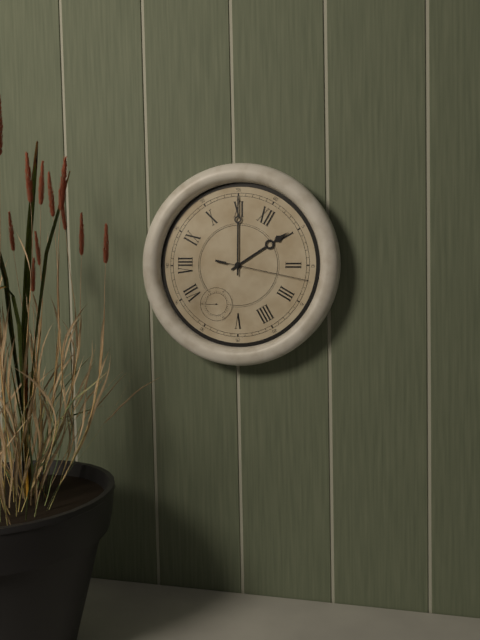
{"hour": 12, "minute": 55, "second": 12}
